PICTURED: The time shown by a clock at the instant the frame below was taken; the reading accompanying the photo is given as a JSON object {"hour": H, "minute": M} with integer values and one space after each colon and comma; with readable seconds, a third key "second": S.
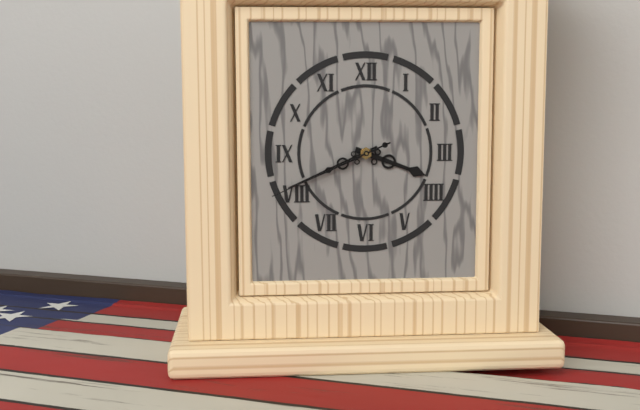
{"hour": 3, "minute": 41, "second": 41}
